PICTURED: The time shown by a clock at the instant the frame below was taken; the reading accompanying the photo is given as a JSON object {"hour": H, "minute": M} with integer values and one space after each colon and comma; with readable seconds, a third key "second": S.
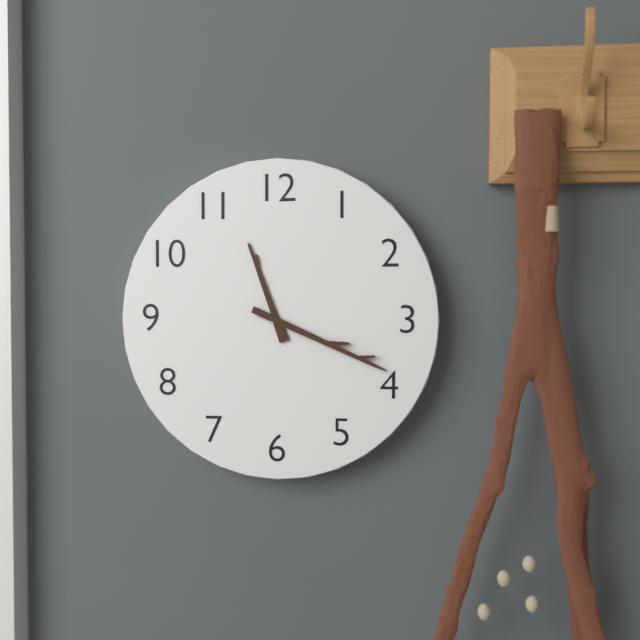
{"hour": 11, "minute": 19}
